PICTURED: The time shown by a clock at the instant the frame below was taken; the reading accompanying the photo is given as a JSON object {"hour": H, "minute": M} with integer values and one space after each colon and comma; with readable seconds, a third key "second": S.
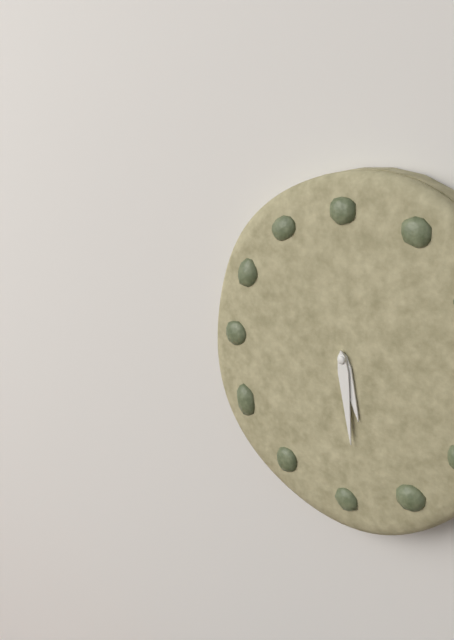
{"hour": 5, "minute": 29}
